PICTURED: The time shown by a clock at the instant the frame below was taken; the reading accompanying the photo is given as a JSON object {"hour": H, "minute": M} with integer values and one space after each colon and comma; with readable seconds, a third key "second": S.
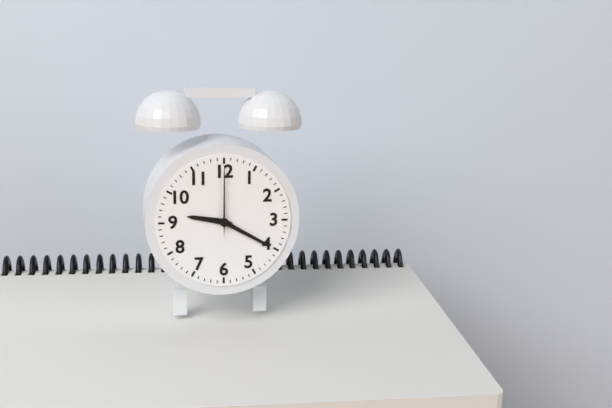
{"hour": 9, "minute": 20, "second": 0}
